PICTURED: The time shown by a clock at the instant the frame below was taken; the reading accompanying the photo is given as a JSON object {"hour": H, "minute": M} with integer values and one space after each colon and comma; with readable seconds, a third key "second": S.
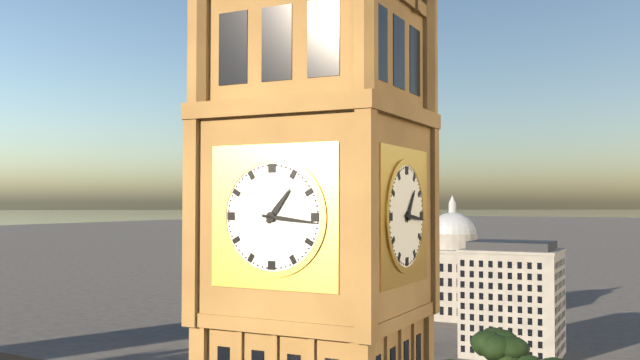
{"hour": 1, "minute": 16}
